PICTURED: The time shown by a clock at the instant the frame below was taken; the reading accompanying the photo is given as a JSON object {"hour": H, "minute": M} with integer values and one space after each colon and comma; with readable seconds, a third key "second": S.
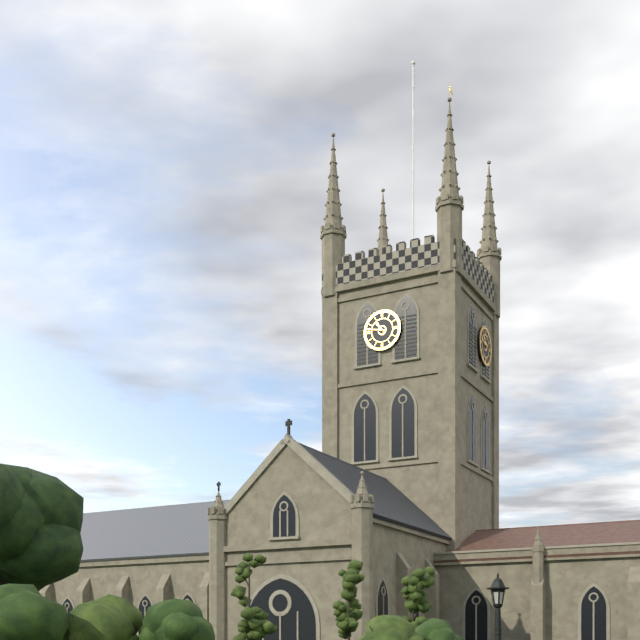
{"hour": 10, "minute": 47}
